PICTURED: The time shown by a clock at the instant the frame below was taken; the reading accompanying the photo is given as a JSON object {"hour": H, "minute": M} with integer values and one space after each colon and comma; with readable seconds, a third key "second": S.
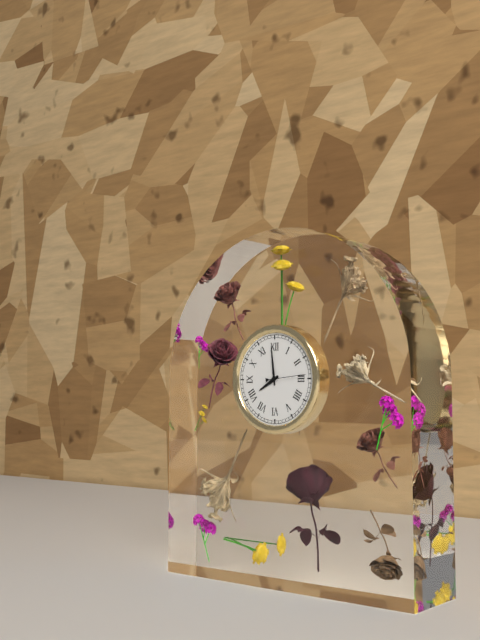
{"hour": 7, "minute": 59}
